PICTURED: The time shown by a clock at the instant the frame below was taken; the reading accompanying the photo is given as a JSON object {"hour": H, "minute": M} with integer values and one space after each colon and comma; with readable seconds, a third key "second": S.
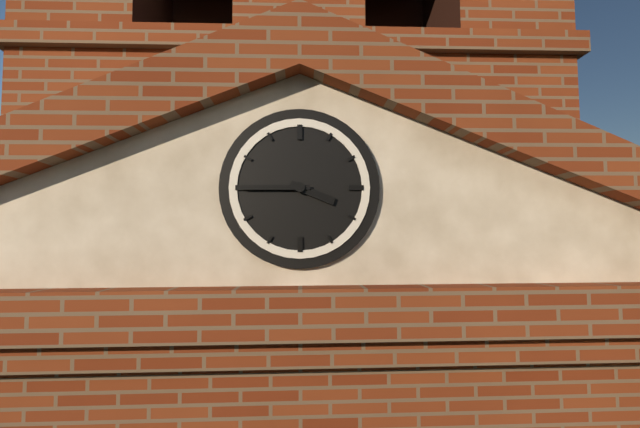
{"hour": 3, "minute": 45}
